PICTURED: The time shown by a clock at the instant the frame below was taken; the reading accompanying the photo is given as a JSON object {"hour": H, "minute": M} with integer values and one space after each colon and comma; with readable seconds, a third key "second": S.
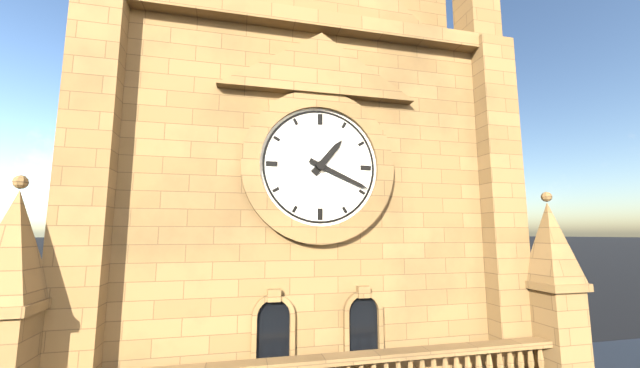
{"hour": 1, "minute": 19}
